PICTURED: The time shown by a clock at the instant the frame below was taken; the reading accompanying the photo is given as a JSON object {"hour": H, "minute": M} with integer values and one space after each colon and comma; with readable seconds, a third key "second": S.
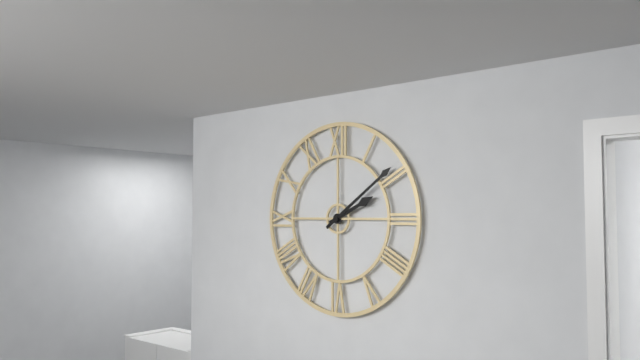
{"hour": 2, "minute": 9}
